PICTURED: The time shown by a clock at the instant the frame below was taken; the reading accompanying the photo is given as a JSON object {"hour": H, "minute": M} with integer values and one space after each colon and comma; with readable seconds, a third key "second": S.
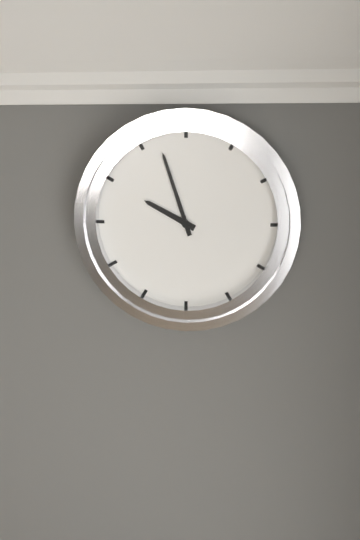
{"hour": 9, "minute": 57}
